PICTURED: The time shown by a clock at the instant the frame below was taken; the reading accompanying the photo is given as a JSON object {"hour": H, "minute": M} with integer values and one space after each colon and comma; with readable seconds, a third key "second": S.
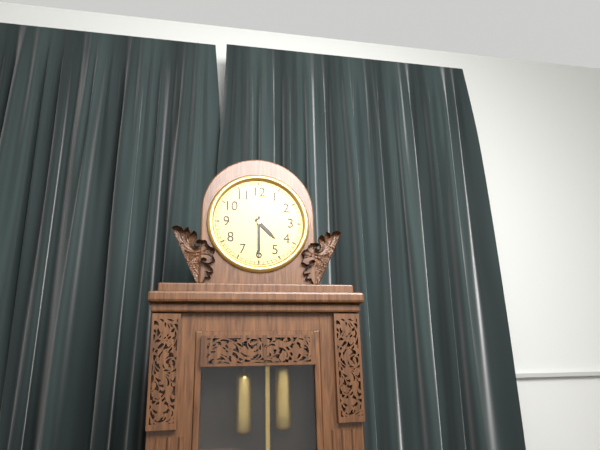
{"hour": 4, "minute": 30}
